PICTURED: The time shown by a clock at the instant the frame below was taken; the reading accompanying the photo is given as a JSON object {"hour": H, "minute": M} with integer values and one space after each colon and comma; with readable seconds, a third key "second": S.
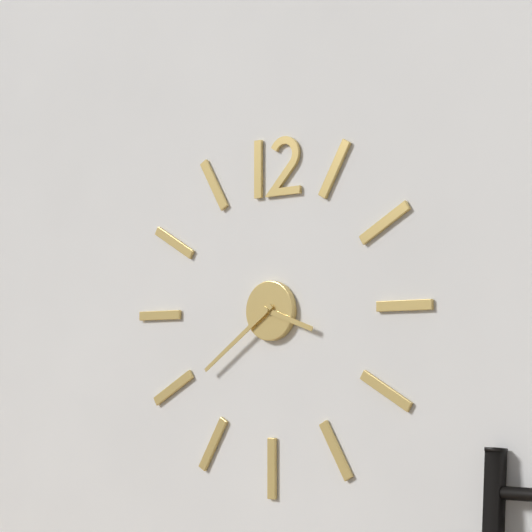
{"hour": 3, "minute": 39}
